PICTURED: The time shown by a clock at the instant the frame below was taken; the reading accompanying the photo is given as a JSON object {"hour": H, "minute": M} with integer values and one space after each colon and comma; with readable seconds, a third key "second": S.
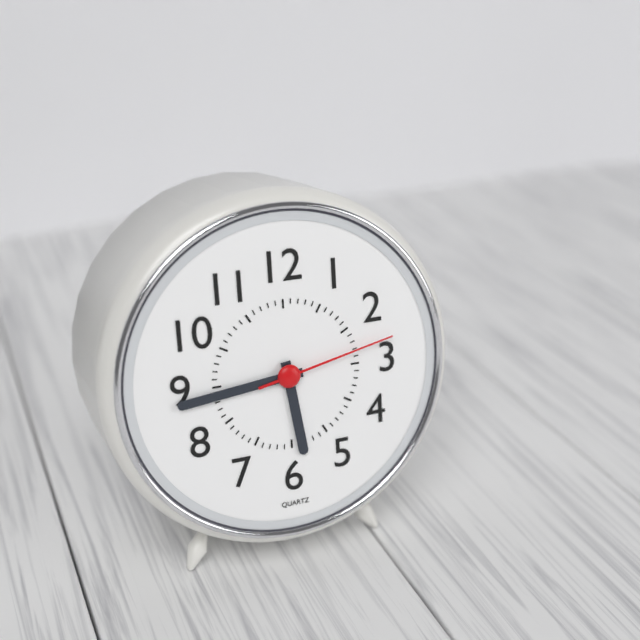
{"hour": 5, "minute": 44, "second": 13}
